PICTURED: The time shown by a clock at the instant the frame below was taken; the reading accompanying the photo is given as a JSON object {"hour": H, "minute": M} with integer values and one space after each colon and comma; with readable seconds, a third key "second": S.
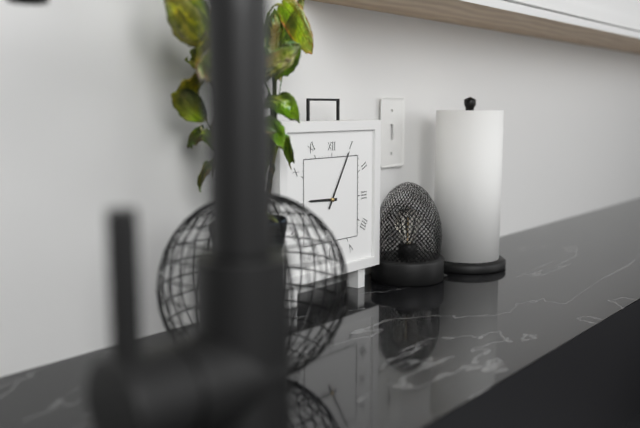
{"hour": 9, "minute": 5}
